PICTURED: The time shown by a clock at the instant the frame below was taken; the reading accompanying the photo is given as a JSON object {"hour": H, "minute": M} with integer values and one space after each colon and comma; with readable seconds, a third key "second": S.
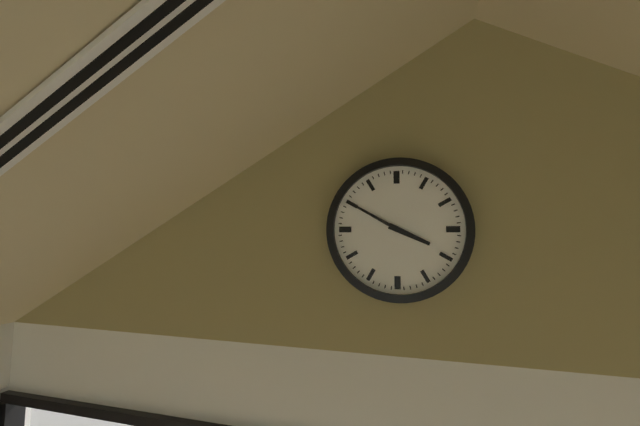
{"hour": 3, "minute": 50}
